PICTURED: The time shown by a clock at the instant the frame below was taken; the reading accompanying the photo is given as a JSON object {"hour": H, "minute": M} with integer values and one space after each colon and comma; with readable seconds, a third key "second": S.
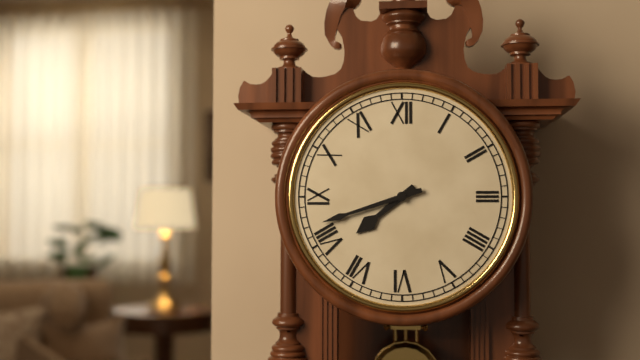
{"hour": 7, "minute": 42}
